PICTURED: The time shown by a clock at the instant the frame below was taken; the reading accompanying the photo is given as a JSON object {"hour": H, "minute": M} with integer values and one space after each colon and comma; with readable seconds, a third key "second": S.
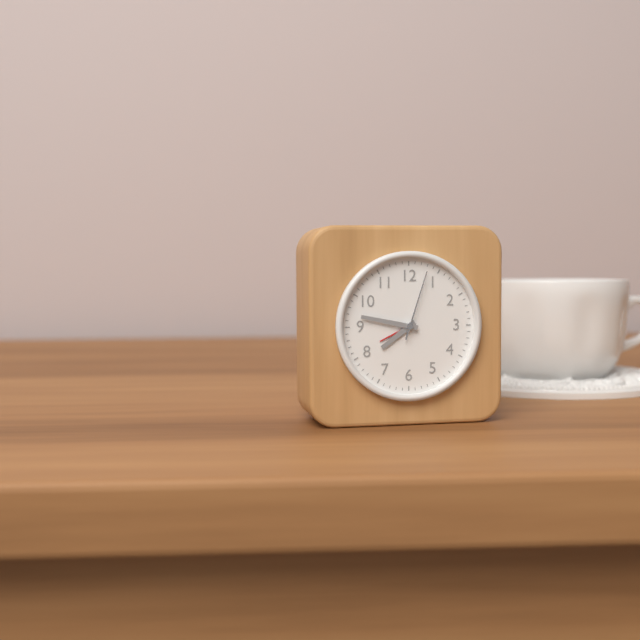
{"hour": 7, "minute": 47, "second": 3}
